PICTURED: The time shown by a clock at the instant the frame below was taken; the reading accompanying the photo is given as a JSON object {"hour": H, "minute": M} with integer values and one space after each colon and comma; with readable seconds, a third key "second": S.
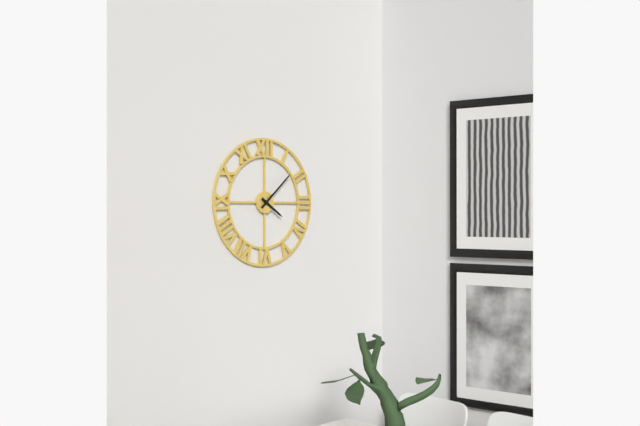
{"hour": 4, "minute": 8}
